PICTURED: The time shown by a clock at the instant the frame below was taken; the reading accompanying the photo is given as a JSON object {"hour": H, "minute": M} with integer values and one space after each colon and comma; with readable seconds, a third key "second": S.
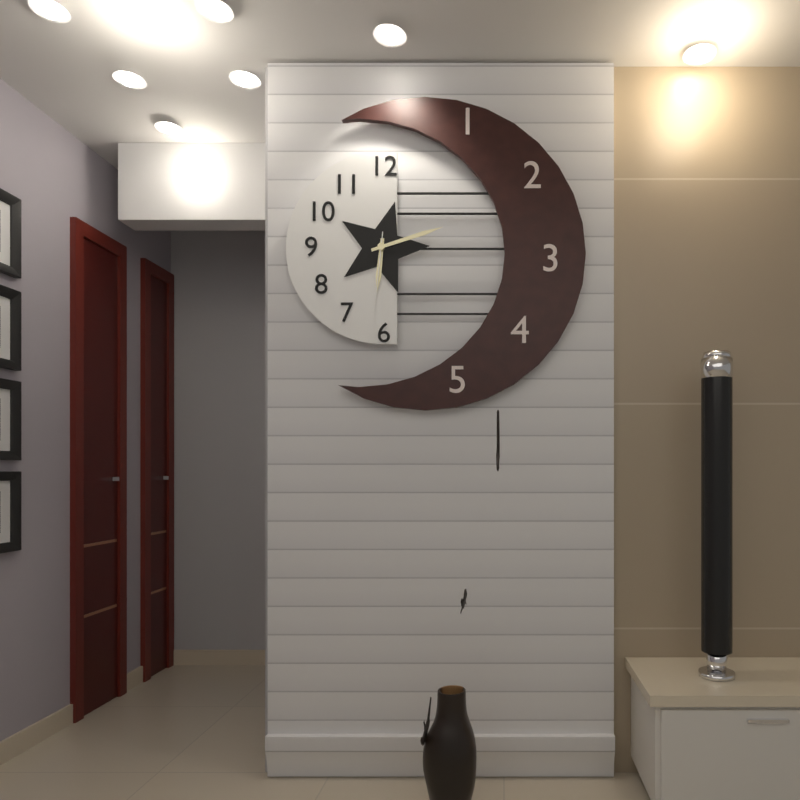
{"hour": 6, "minute": 12, "second": 31}
